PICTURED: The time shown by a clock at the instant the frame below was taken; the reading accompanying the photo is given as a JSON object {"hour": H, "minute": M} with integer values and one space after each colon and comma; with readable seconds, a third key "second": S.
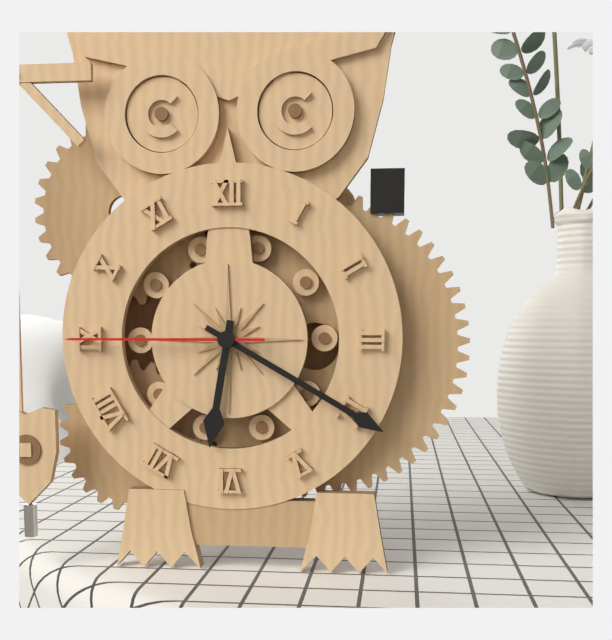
{"hour": 6, "minute": 20, "second": 45}
